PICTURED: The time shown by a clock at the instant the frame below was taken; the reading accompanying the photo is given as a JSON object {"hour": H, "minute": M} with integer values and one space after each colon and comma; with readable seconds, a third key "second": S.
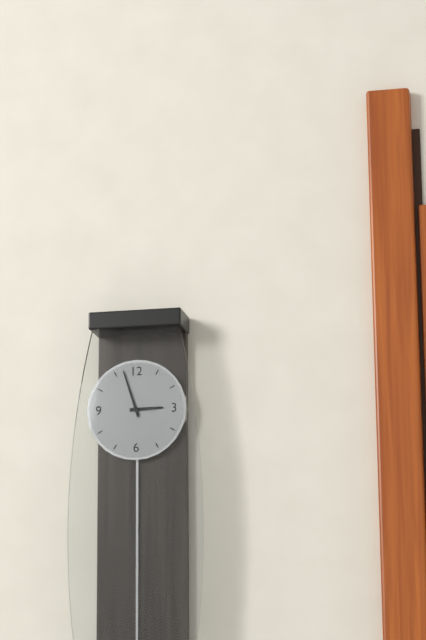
{"hour": 2, "minute": 57}
